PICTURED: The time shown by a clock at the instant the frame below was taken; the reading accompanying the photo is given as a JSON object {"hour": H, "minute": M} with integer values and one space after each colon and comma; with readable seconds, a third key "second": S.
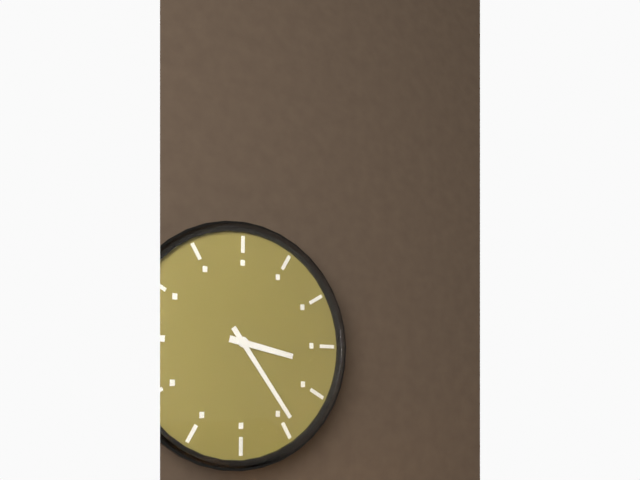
{"hour": 3, "minute": 24}
